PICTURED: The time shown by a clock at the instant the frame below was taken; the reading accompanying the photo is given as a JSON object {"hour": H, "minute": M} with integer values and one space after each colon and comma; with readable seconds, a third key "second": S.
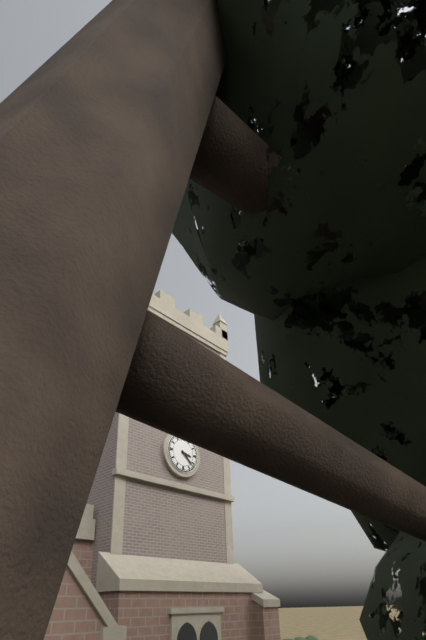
{"hour": 3, "minute": 22}
